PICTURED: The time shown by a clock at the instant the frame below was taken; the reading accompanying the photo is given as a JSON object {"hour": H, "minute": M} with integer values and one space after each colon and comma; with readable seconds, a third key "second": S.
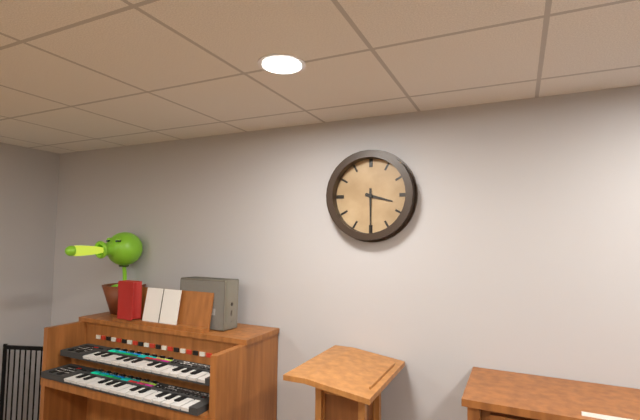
{"hour": 3, "minute": 30}
